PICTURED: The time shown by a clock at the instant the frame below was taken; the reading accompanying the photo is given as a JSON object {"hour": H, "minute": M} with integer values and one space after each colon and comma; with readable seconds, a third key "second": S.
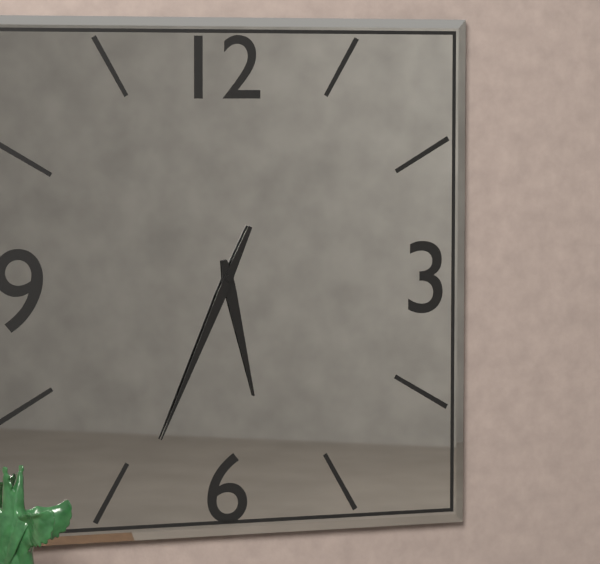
{"hour": 5, "minute": 34}
